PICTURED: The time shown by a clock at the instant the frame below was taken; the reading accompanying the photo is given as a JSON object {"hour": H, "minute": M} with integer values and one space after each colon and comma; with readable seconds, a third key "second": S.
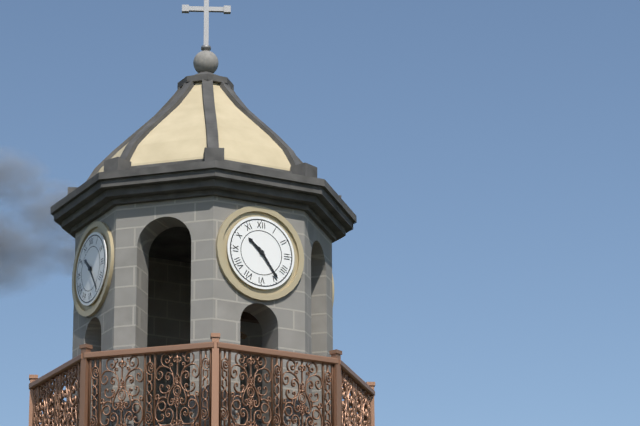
{"hour": 10, "minute": 24}
